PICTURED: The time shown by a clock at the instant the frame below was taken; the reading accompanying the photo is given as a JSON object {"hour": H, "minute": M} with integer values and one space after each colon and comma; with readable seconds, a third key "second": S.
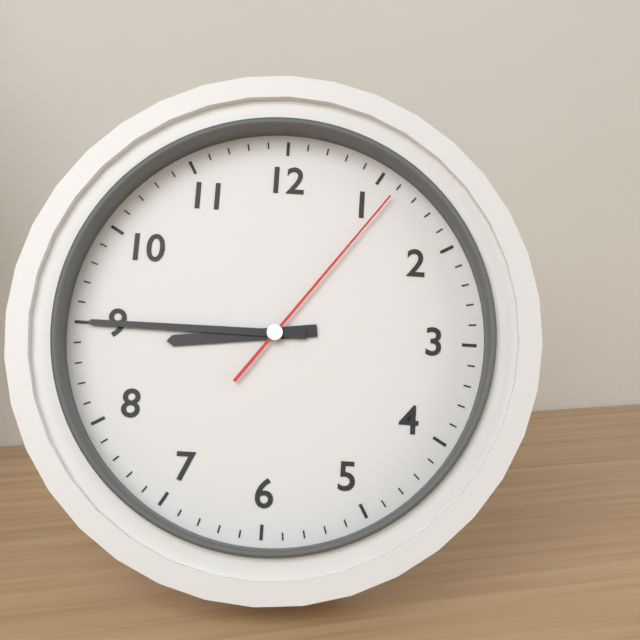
{"hour": 8, "minute": 45, "second": 6}
